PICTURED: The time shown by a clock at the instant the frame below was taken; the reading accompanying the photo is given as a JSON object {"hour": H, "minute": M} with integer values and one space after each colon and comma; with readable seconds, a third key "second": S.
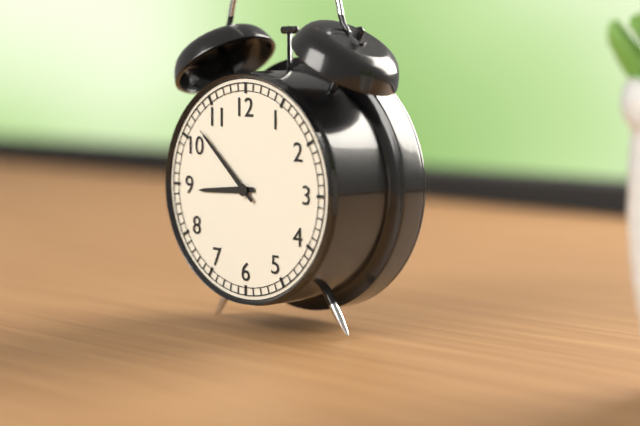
{"hour": 8, "minute": 52}
